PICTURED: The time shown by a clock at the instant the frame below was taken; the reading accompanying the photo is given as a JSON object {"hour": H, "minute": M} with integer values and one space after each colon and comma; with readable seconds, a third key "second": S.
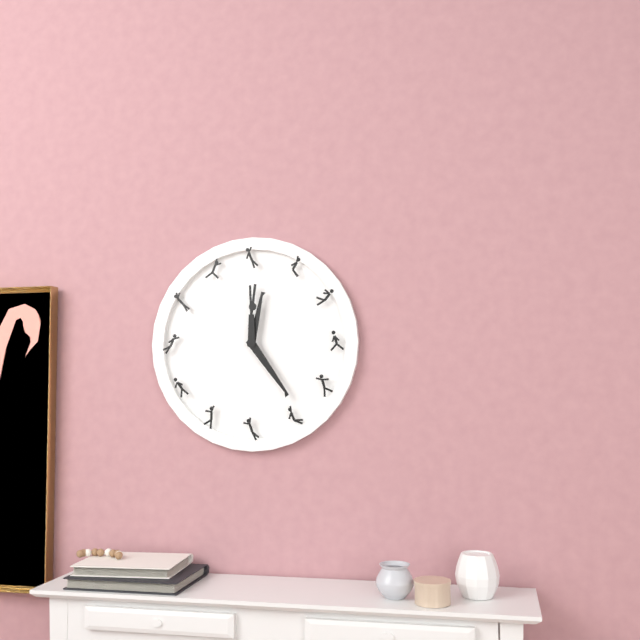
{"hour": 12, "minute": 24}
